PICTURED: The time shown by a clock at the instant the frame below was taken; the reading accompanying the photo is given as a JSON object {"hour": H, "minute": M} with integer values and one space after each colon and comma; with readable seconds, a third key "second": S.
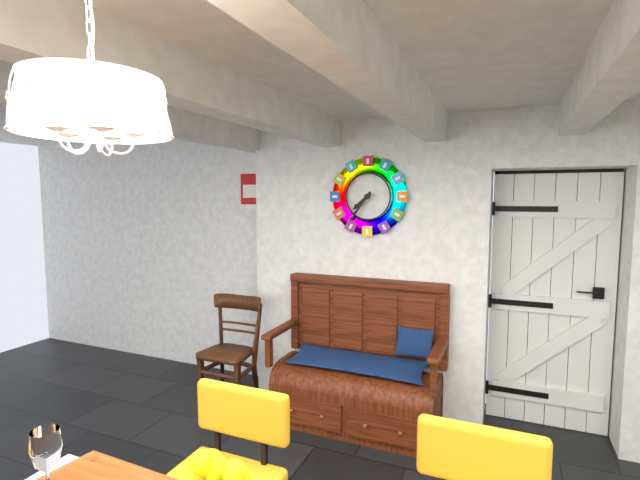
{"hour": 7, "minute": 36}
